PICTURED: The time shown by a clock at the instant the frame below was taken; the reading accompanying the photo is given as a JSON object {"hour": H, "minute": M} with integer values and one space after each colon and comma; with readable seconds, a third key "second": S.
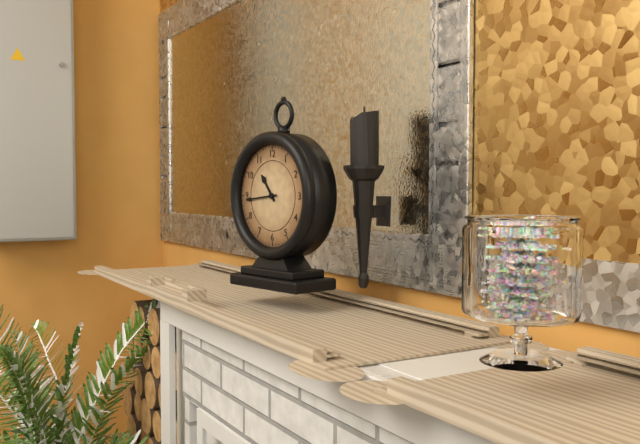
{"hour": 10, "minute": 44}
